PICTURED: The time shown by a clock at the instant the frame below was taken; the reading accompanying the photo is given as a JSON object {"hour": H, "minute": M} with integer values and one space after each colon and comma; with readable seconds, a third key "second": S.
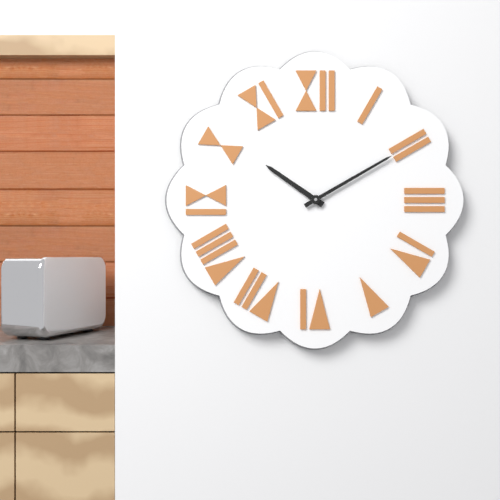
{"hour": 10, "minute": 10}
